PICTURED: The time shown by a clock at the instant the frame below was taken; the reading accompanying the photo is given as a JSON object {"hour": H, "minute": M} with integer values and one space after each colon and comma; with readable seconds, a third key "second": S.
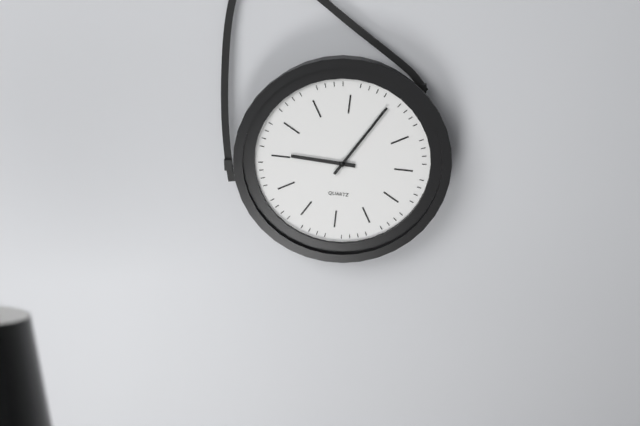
{"hour": 9, "minute": 5}
